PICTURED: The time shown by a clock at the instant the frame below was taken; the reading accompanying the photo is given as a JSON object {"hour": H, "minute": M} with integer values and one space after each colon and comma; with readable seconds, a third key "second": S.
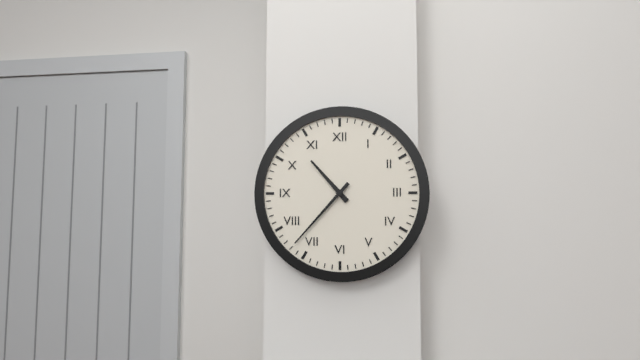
{"hour": 10, "minute": 37}
